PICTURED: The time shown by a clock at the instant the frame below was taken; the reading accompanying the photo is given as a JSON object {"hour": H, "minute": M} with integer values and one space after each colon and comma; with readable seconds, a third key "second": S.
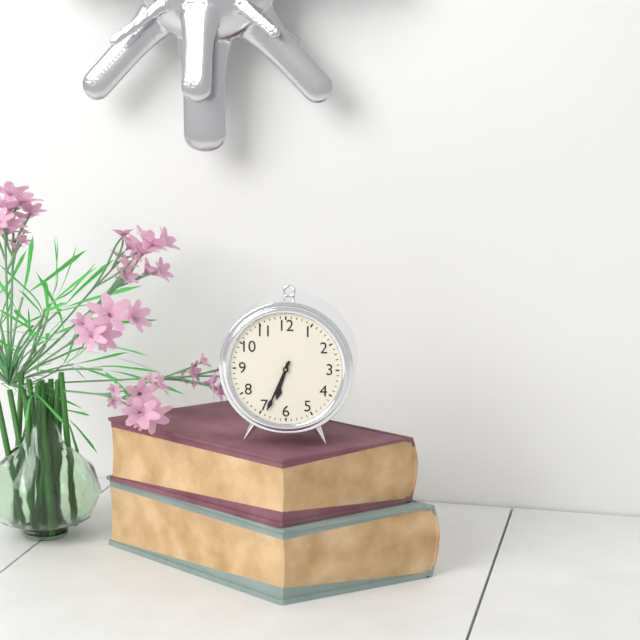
{"hour": 6, "minute": 34}
